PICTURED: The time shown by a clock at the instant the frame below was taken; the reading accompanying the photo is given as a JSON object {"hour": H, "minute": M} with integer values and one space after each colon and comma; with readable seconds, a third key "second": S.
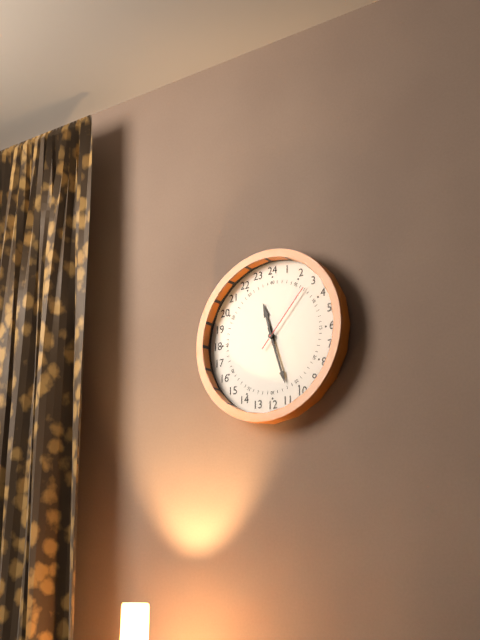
{"hour": 11, "minute": 27, "second": 7}
